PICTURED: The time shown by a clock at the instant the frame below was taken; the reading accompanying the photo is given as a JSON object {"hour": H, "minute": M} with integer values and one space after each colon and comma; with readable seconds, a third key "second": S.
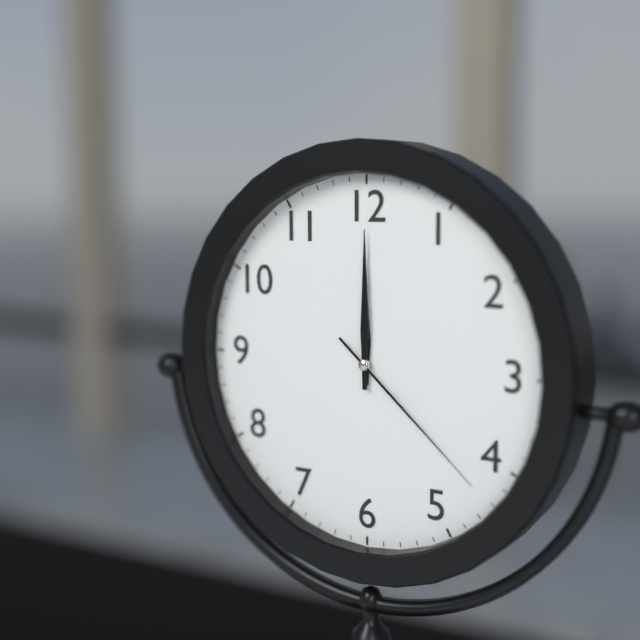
{"hour": 12, "minute": 0, "second": 22}
